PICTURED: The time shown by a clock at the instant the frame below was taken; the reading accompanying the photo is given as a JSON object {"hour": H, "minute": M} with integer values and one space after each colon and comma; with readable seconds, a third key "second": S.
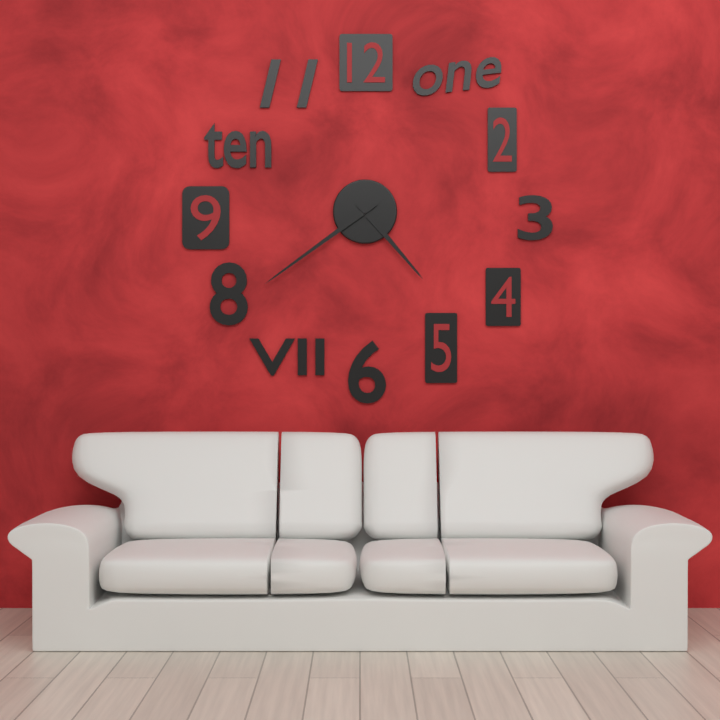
{"hour": 4, "minute": 39}
